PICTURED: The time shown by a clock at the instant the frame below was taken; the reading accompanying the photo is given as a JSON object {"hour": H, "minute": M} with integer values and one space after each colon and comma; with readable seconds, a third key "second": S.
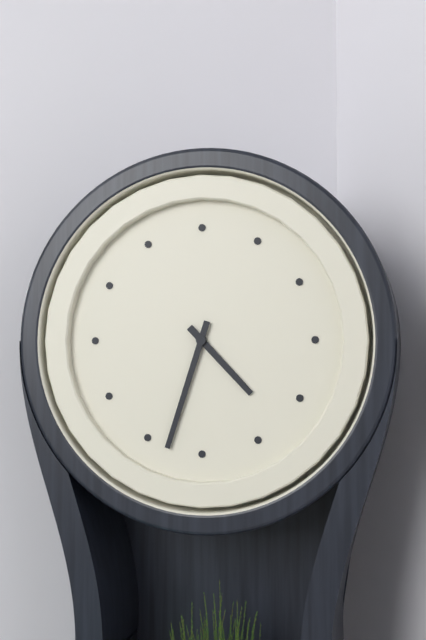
{"hour": 4, "minute": 33}
